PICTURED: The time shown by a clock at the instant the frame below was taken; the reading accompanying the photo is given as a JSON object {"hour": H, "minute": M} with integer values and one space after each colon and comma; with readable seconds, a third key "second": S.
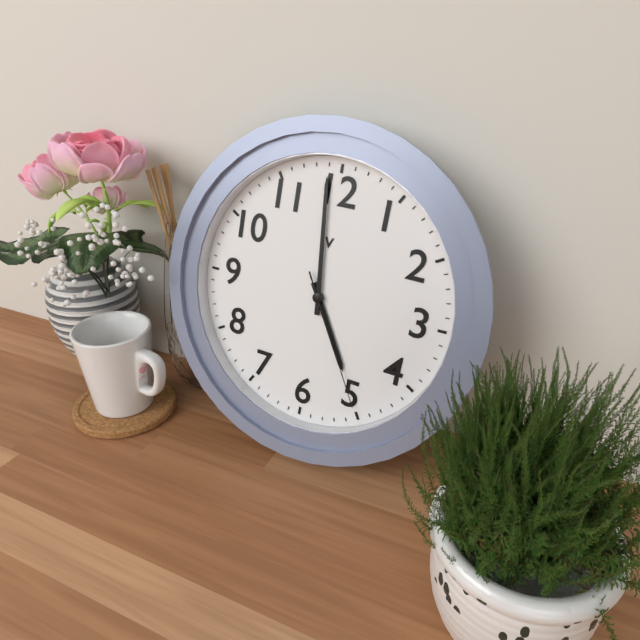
{"hour": 4, "minute": 59, "second": 25}
